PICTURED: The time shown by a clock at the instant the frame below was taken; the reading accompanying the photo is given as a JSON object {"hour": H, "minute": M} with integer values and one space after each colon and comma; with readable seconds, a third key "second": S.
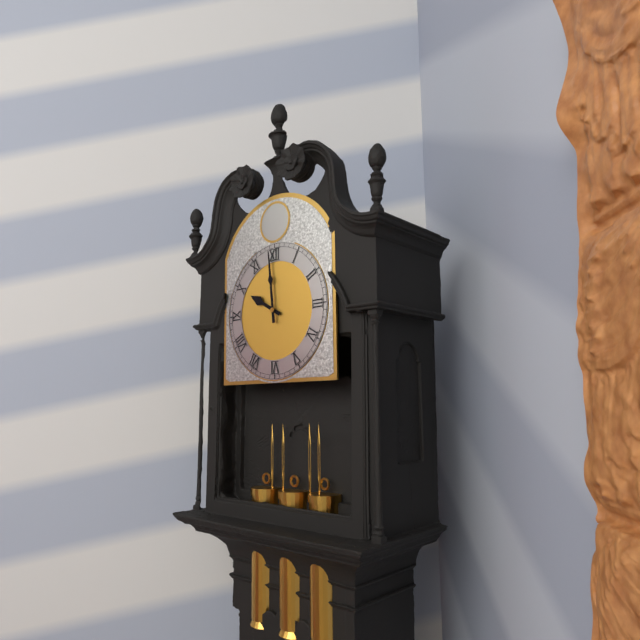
{"hour": 9, "minute": 59}
